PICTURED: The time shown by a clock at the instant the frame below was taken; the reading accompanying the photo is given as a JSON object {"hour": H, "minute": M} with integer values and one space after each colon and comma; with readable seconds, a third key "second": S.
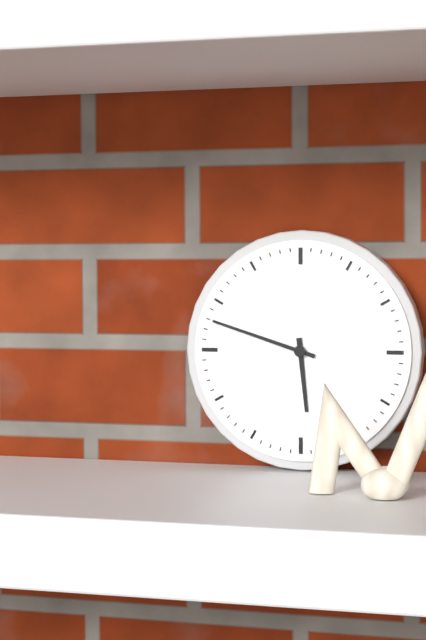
{"hour": 5, "minute": 48}
